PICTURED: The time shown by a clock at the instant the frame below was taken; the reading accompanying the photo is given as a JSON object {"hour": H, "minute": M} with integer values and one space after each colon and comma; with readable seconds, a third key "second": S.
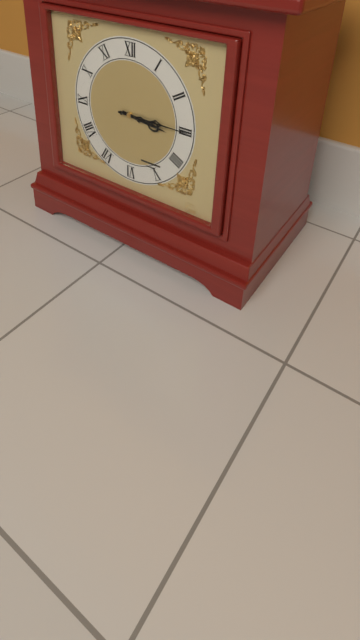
{"hour": 3, "minute": 15}
